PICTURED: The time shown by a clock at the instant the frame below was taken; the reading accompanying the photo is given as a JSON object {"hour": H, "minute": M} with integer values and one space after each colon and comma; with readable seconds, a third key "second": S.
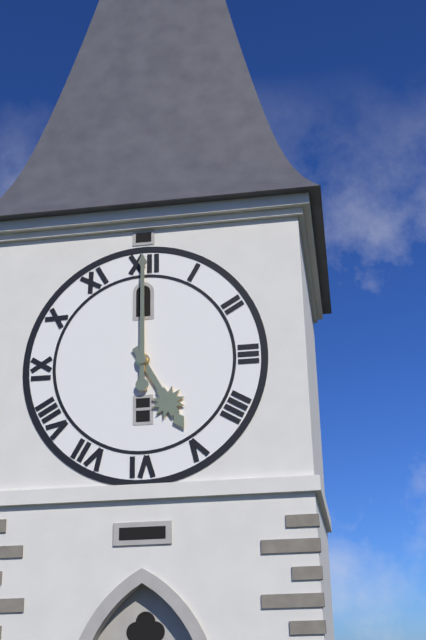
{"hour": 5, "minute": 0}
